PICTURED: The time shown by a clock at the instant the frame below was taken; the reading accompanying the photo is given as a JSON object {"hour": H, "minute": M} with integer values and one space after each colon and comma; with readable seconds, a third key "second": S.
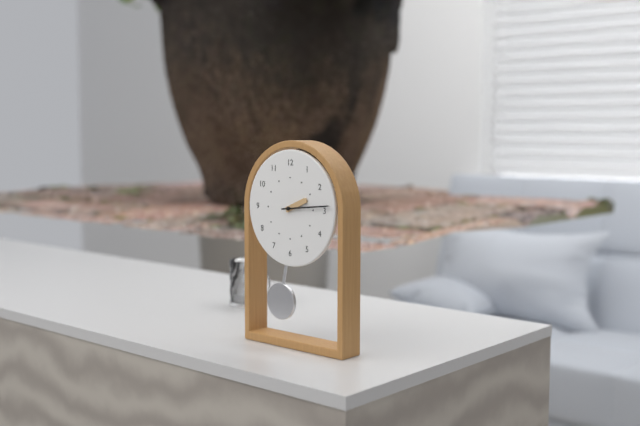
{"hour": 2, "minute": 14}
